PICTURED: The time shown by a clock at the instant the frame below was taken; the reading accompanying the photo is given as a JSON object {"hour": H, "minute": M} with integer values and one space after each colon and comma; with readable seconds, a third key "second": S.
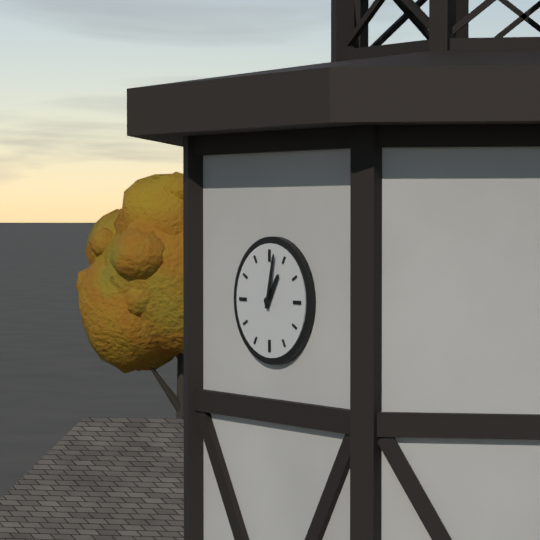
{"hour": 1, "minute": 2}
